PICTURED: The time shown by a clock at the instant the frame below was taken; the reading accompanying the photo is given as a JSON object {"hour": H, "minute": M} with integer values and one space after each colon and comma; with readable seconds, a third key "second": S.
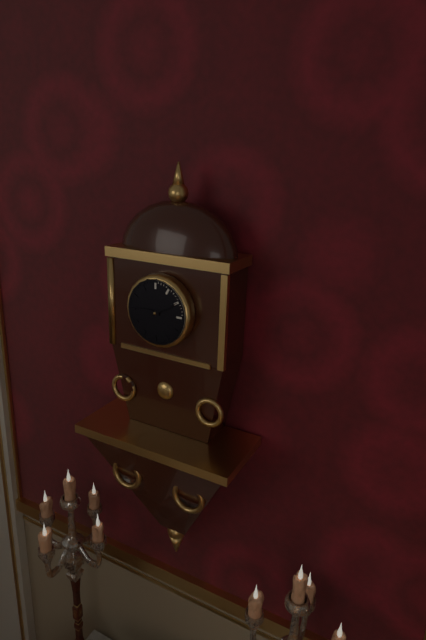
{"hour": 9, "minute": 10}
